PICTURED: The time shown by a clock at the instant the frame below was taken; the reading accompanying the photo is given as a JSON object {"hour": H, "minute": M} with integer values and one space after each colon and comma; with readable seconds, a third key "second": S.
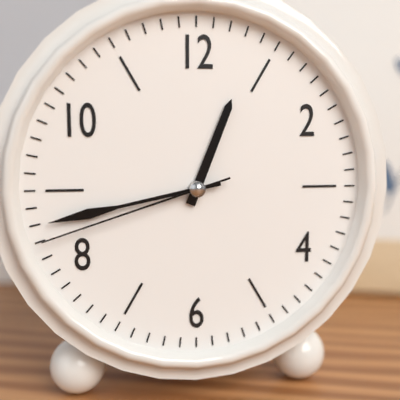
{"hour": 12, "minute": 43, "second": 42}
